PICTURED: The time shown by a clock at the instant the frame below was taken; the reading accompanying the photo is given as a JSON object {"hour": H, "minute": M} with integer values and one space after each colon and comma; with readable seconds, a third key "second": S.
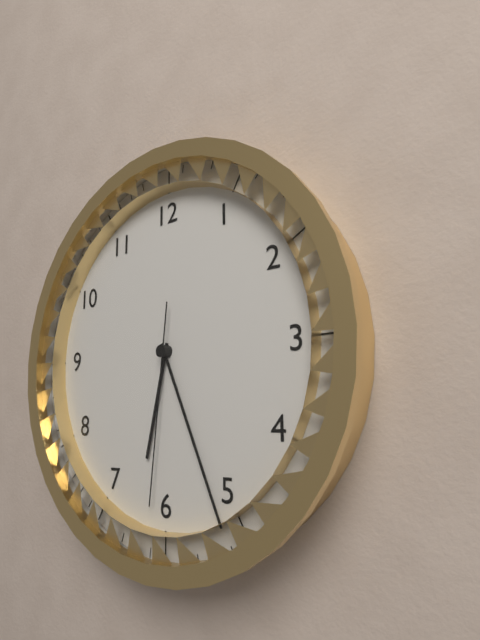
{"hour": 6, "minute": 26, "second": 31}
